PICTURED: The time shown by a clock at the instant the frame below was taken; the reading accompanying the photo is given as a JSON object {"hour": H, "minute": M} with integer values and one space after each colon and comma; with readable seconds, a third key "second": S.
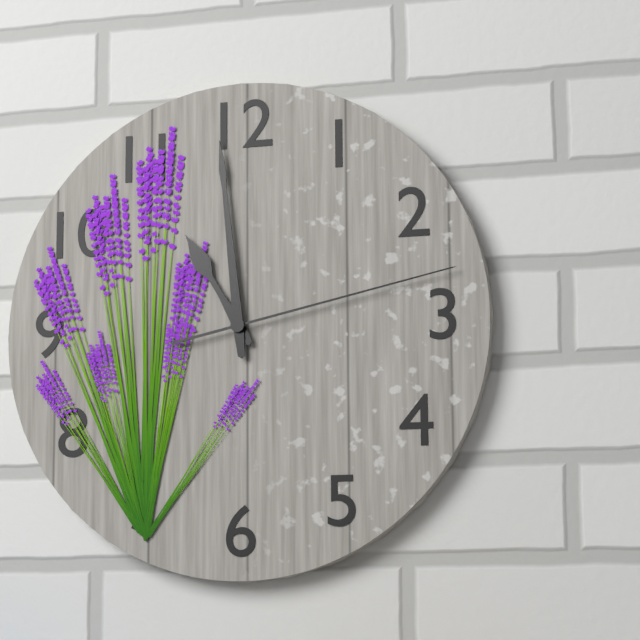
{"hour": 10, "minute": 59, "second": 13}
